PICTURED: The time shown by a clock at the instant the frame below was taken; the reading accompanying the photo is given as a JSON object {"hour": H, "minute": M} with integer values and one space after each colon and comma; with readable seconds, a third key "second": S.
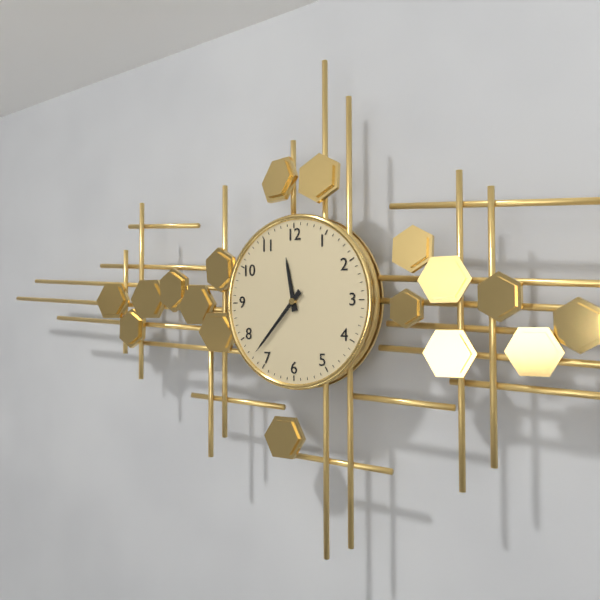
{"hour": 11, "minute": 37}
